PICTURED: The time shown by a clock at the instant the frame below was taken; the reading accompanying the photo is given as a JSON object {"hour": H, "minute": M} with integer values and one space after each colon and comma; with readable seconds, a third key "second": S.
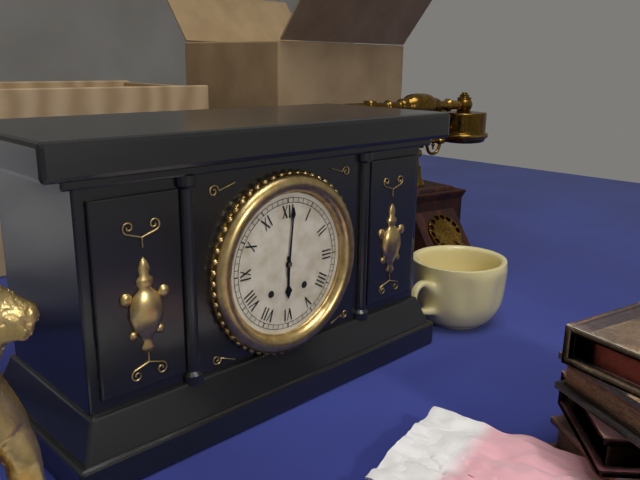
{"hour": 6, "minute": 1}
